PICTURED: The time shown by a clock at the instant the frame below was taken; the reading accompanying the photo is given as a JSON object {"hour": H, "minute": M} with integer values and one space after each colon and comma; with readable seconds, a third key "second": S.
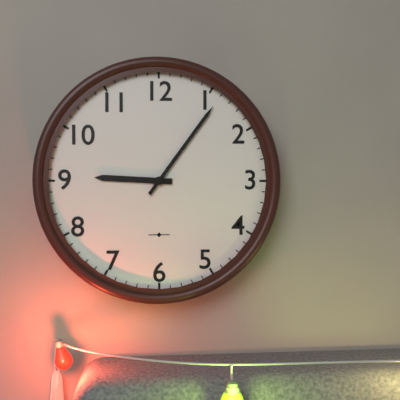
{"hour": 9, "minute": 6}
